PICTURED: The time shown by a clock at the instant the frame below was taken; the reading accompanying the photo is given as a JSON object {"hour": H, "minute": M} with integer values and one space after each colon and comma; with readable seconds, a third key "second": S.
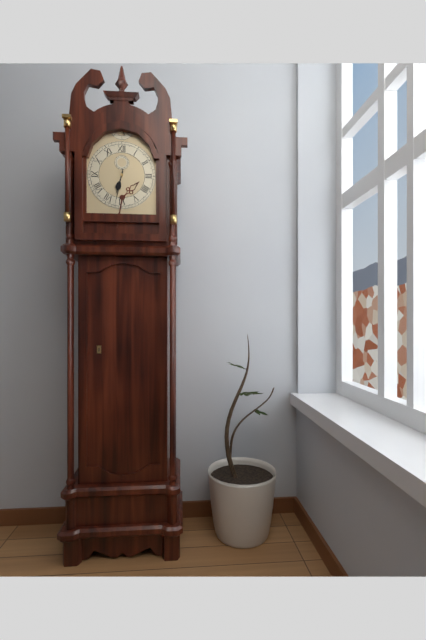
{"hour": 6, "minute": 32}
